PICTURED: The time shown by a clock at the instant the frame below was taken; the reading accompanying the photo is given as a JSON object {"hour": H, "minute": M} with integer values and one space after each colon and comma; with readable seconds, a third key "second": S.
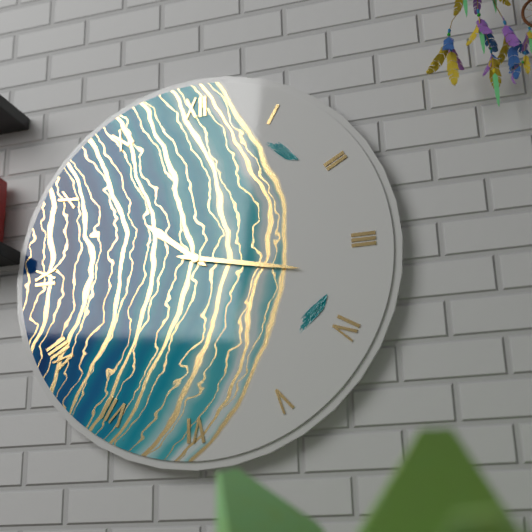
{"hour": 10, "minute": 17}
